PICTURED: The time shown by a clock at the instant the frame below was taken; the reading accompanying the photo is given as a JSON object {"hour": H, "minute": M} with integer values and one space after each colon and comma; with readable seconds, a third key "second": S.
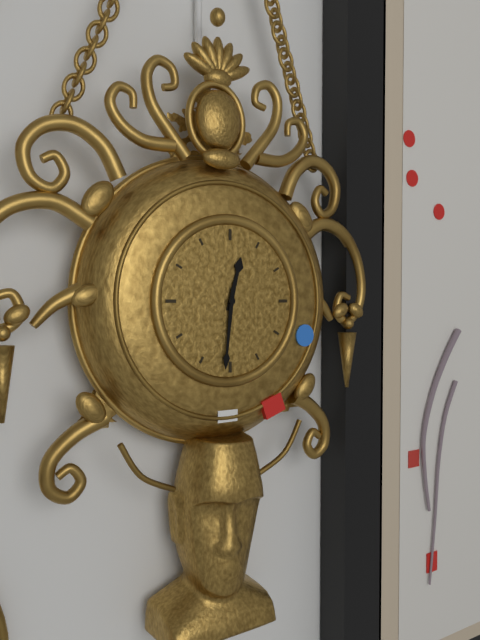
{"hour": 12, "minute": 31}
